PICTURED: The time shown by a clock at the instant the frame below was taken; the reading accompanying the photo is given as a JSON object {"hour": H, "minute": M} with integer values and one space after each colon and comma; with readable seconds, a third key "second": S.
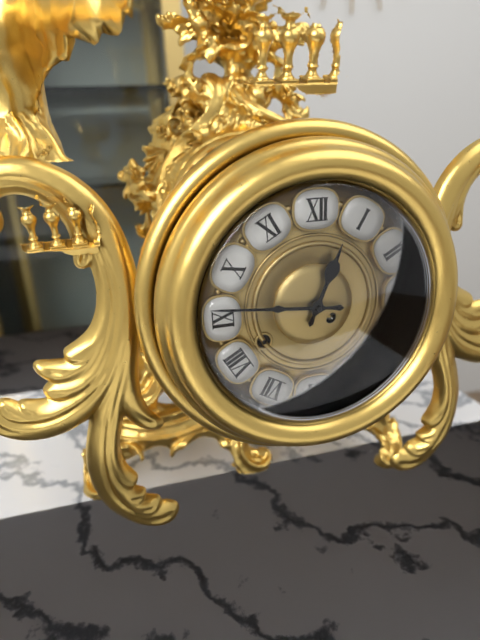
{"hour": 12, "minute": 46}
